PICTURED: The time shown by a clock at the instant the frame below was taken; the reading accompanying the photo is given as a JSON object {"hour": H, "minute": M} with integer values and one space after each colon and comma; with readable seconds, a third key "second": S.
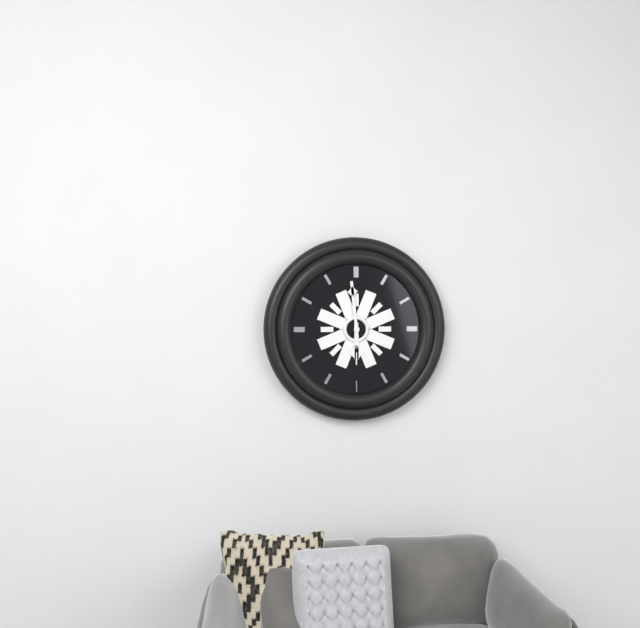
{"hour": 5, "minute": 59}
